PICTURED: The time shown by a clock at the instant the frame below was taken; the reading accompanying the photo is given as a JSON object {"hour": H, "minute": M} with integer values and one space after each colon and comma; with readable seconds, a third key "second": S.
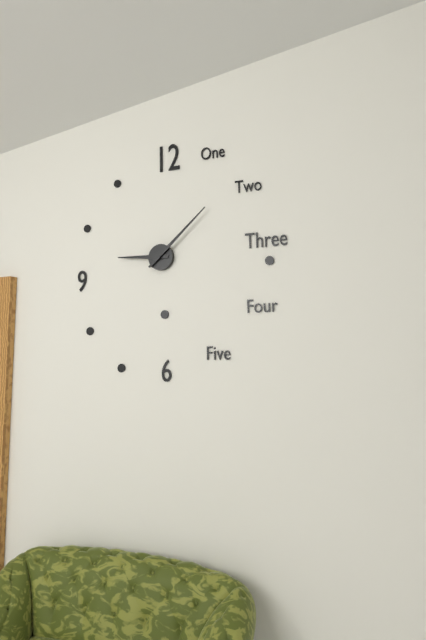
{"hour": 9, "minute": 8}
